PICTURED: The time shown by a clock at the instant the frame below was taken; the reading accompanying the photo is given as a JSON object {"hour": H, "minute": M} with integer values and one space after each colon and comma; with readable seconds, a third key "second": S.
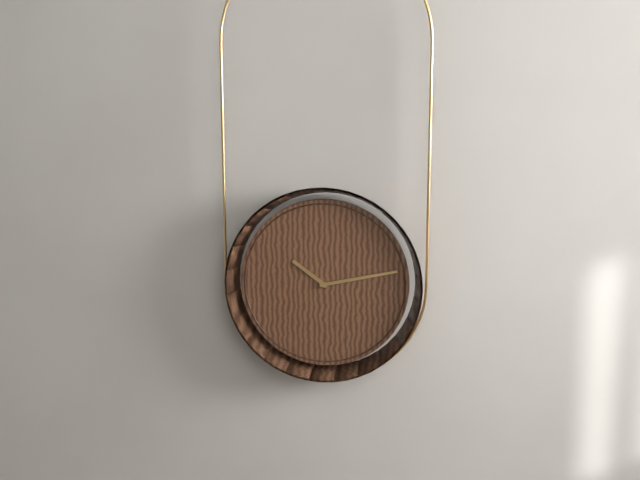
{"hour": 10, "minute": 13}
